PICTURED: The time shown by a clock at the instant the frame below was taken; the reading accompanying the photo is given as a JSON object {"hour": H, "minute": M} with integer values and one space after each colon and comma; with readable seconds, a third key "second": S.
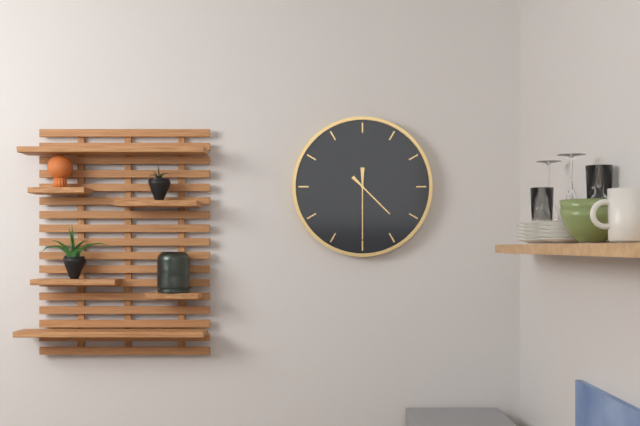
{"hour": 4, "minute": 30}
